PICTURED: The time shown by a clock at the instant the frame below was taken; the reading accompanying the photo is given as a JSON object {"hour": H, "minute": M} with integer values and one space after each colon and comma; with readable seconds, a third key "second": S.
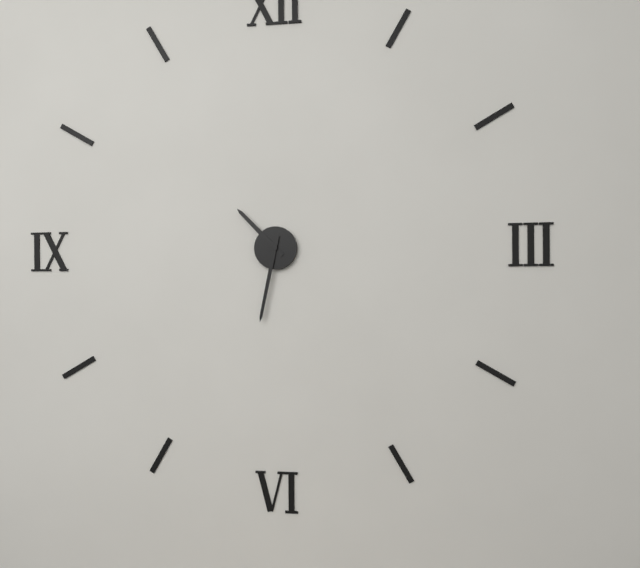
{"hour": 10, "minute": 32}
